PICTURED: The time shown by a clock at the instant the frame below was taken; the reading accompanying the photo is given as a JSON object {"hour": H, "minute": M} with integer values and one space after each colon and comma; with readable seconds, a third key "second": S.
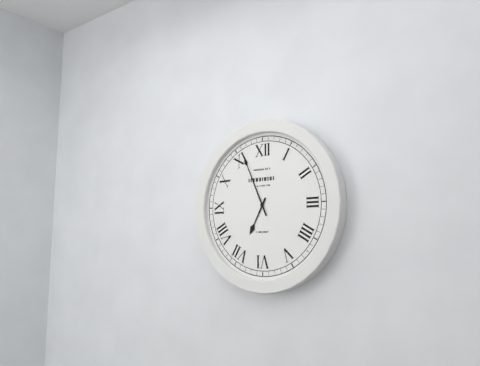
{"hour": 6, "minute": 56}
